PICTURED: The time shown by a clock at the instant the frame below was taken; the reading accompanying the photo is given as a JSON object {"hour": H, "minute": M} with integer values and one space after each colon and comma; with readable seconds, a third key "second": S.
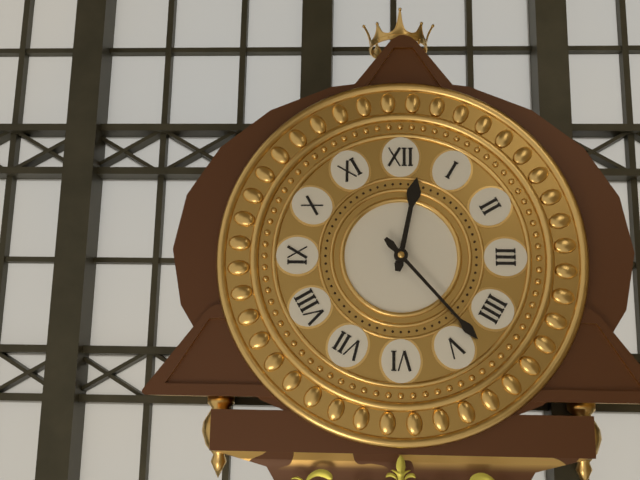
{"hour": 12, "minute": 23}
